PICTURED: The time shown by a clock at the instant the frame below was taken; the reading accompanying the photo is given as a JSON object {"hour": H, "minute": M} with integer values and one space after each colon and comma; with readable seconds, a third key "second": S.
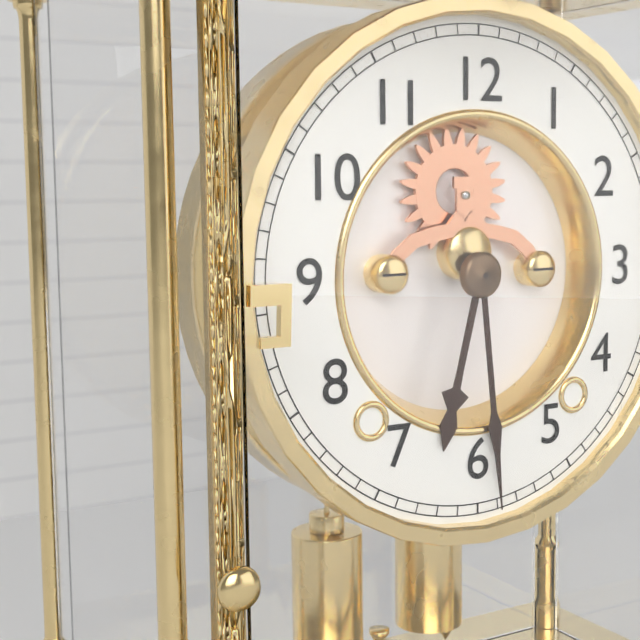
{"hour": 6, "minute": 29}
